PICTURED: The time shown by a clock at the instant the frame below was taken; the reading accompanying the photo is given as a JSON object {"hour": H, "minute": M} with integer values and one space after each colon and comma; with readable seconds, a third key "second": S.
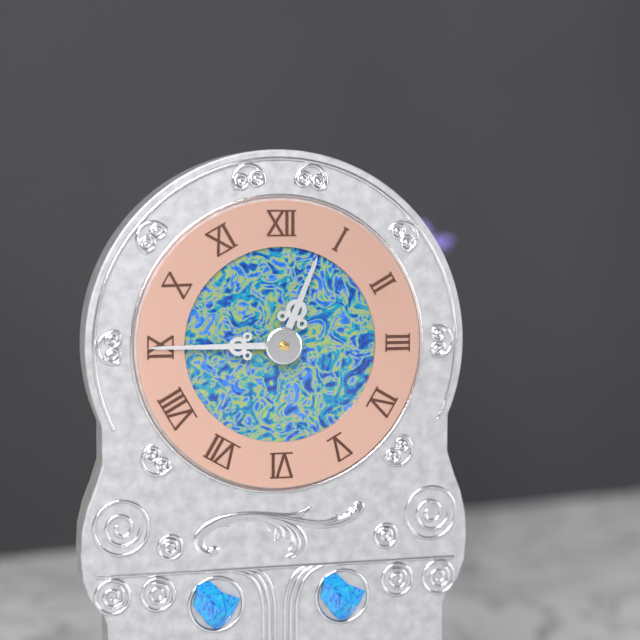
{"hour": 12, "minute": 45}
